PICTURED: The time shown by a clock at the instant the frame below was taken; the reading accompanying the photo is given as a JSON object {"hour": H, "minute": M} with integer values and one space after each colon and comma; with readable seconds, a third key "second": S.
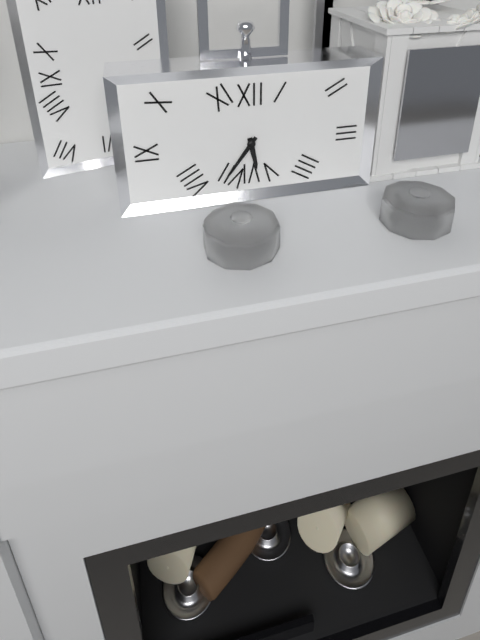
{"hour": 5, "minute": 36}
